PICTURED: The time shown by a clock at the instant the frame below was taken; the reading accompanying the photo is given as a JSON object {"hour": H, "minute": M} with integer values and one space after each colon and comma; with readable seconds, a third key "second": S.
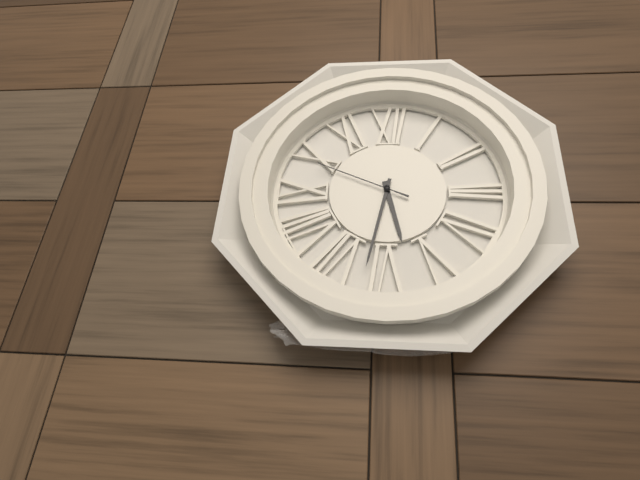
{"hour": 5, "minute": 32, "second": 49}
